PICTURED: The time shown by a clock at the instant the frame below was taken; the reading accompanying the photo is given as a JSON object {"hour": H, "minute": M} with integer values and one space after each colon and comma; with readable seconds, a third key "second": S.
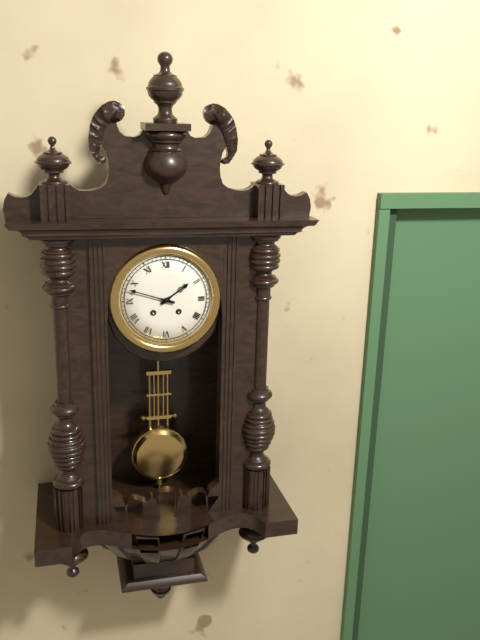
{"hour": 1, "minute": 48}
